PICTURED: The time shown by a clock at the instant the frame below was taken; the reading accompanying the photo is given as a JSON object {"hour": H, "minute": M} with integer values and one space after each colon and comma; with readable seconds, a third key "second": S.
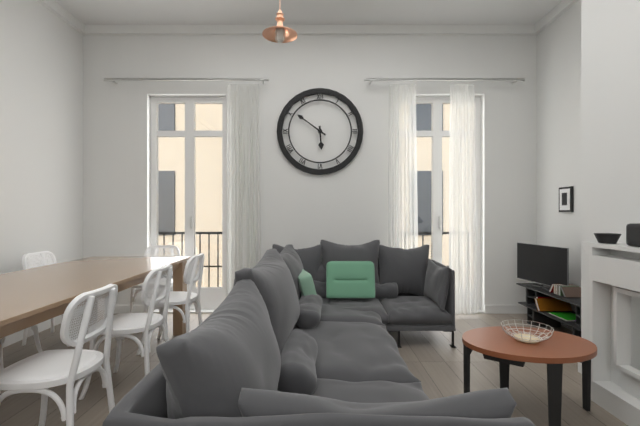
{"hour": 5, "minute": 51}
